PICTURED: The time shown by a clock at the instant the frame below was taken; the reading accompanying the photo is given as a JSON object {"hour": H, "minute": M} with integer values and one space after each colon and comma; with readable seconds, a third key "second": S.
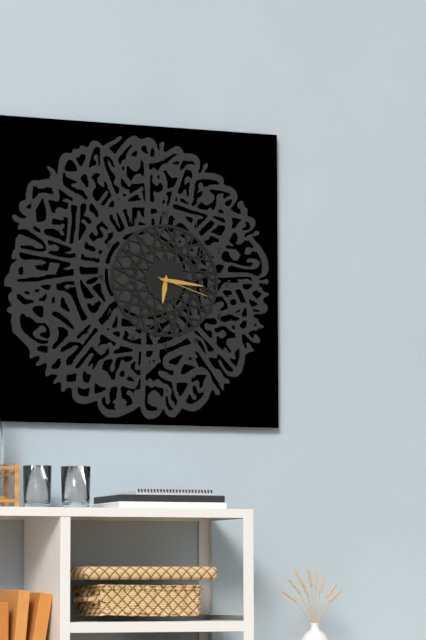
{"hour": 6, "minute": 16, "second": 18}
